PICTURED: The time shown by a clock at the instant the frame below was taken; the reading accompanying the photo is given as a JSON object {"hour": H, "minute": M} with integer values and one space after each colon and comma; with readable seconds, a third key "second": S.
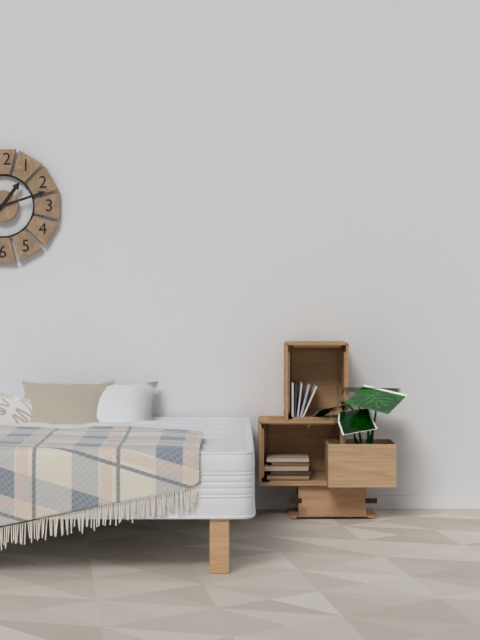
{"hour": 1, "minute": 12}
